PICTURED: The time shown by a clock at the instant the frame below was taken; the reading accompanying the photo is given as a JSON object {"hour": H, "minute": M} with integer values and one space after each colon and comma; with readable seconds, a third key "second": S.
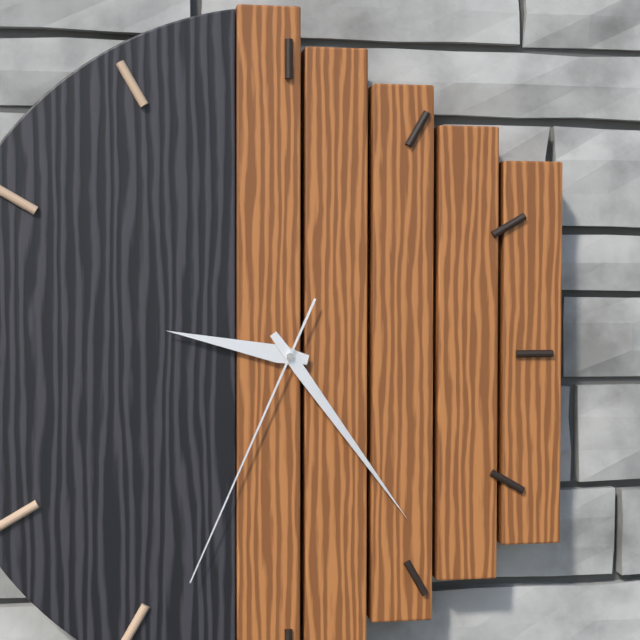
{"hour": 9, "minute": 24, "second": 34}
